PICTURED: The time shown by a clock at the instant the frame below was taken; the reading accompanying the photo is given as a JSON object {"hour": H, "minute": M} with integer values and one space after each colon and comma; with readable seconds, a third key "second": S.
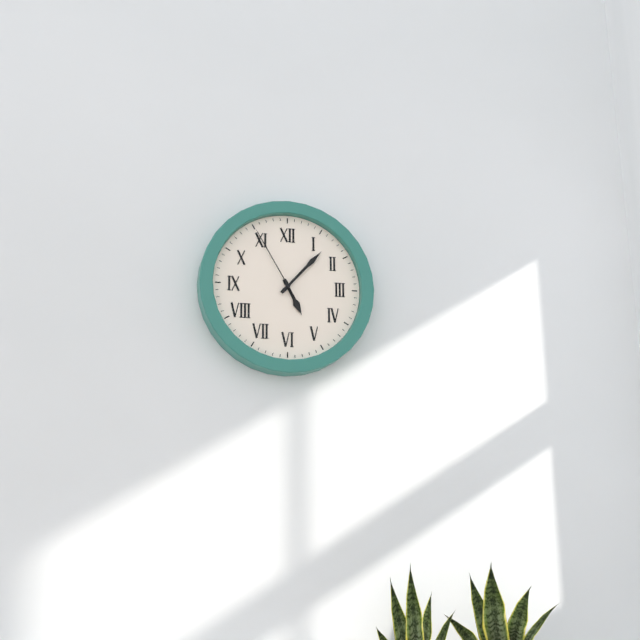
{"hour": 5, "minute": 7, "second": 55}
